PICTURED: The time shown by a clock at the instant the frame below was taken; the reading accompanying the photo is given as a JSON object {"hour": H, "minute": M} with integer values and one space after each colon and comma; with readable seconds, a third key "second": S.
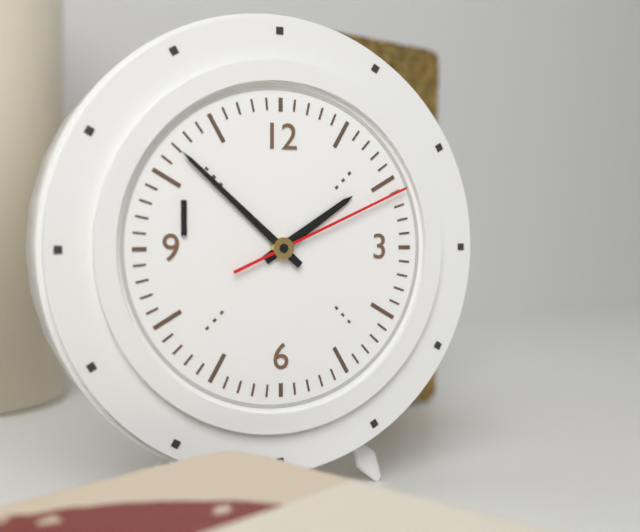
{"hour": 1, "minute": 52, "second": 11}
